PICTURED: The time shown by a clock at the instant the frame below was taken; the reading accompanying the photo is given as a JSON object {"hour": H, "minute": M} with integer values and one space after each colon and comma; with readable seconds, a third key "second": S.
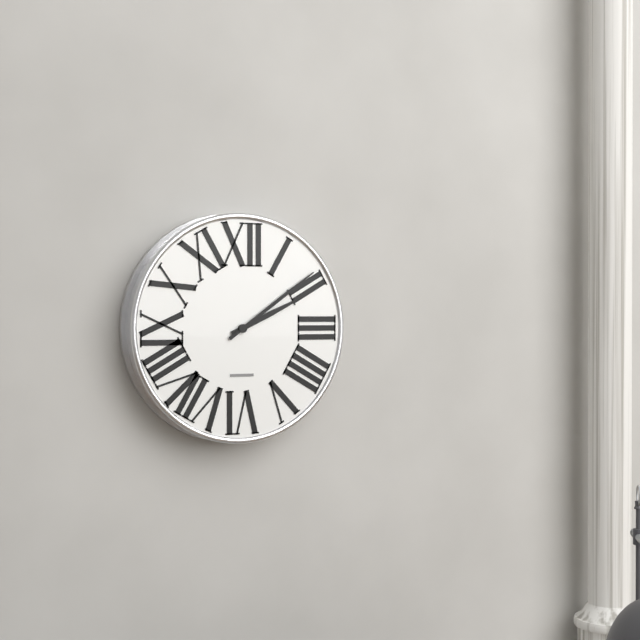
{"hour": 2, "minute": 9}
